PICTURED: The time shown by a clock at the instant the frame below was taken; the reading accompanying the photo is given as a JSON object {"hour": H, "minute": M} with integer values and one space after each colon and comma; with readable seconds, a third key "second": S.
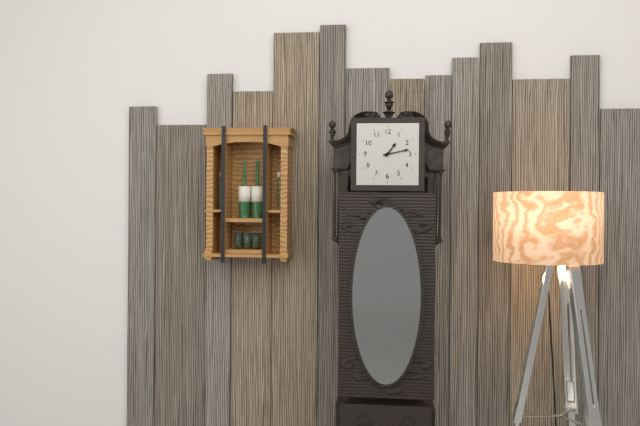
{"hour": 1, "minute": 13}
